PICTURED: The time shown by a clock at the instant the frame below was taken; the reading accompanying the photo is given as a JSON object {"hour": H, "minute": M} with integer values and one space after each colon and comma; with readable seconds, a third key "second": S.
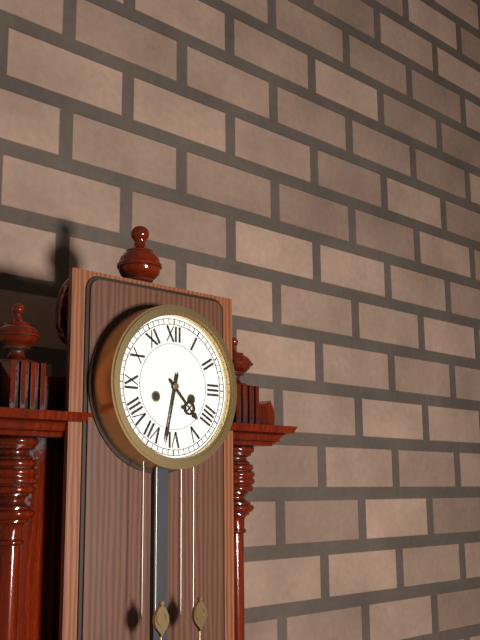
{"hour": 4, "minute": 32}
